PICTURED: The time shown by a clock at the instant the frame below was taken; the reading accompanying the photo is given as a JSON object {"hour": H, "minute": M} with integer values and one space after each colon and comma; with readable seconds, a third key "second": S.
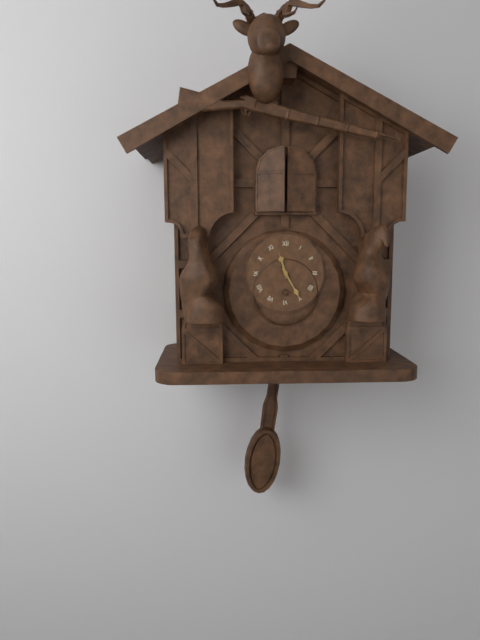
{"hour": 11, "minute": 25}
